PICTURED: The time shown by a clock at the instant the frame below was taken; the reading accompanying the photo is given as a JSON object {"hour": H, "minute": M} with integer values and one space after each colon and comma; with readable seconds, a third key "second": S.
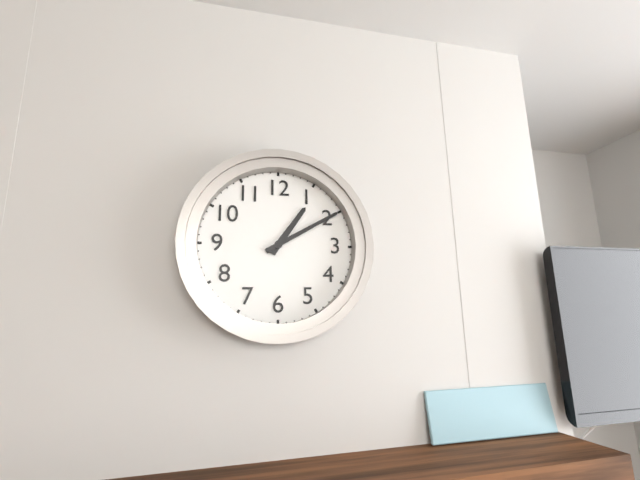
{"hour": 1, "minute": 10}
